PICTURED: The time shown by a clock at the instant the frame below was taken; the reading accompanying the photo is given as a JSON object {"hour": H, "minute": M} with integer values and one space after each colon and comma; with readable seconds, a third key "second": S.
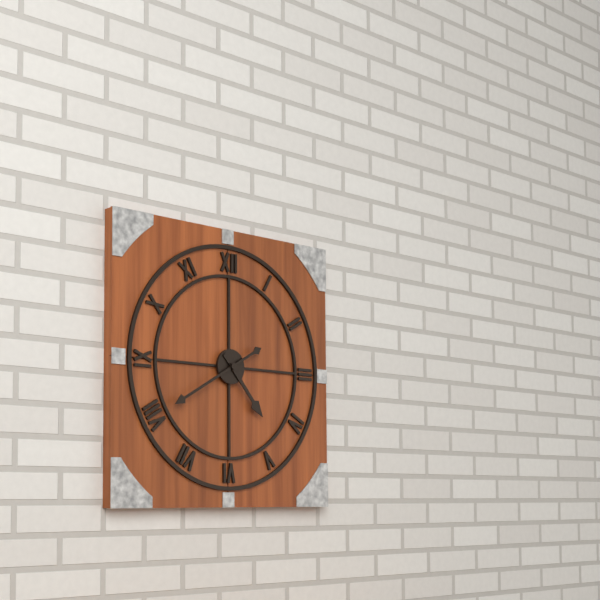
{"hour": 4, "minute": 40}
